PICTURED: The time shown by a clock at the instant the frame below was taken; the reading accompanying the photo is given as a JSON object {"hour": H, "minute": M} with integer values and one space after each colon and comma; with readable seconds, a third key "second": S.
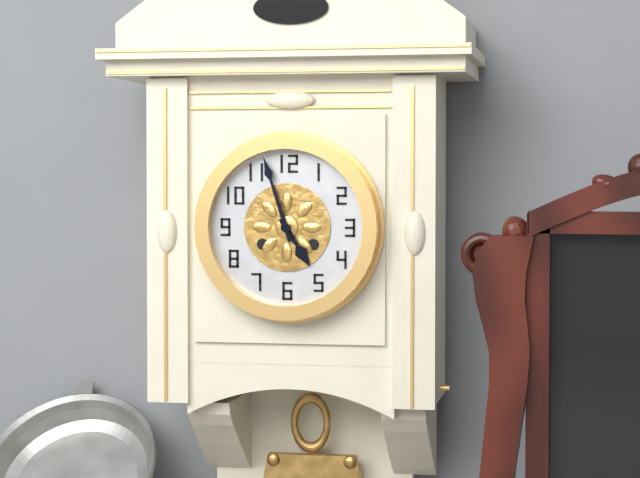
{"hour": 4, "minute": 57}
